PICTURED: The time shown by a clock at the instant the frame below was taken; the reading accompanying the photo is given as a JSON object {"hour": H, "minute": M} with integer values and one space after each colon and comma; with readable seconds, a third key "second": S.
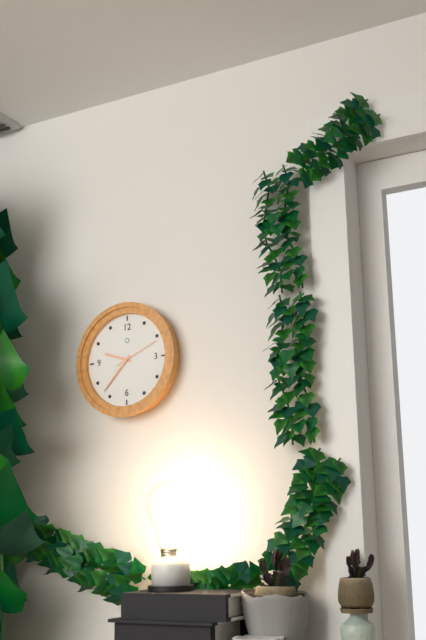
{"hour": 9, "minute": 37}
